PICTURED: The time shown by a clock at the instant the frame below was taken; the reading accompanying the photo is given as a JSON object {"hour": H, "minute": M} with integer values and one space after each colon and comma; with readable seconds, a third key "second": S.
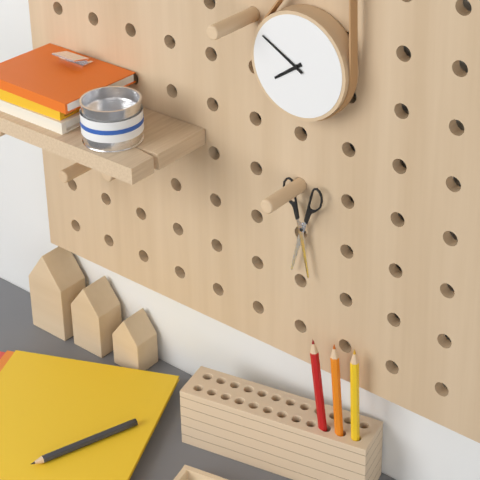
{"hour": 7, "minute": 50}
